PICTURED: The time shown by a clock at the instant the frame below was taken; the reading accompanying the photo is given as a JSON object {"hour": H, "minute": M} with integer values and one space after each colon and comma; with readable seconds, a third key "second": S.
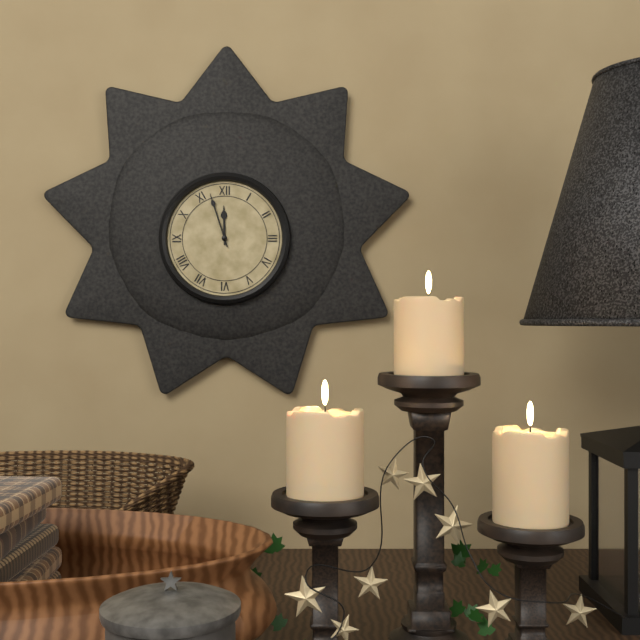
{"hour": 11, "minute": 57}
